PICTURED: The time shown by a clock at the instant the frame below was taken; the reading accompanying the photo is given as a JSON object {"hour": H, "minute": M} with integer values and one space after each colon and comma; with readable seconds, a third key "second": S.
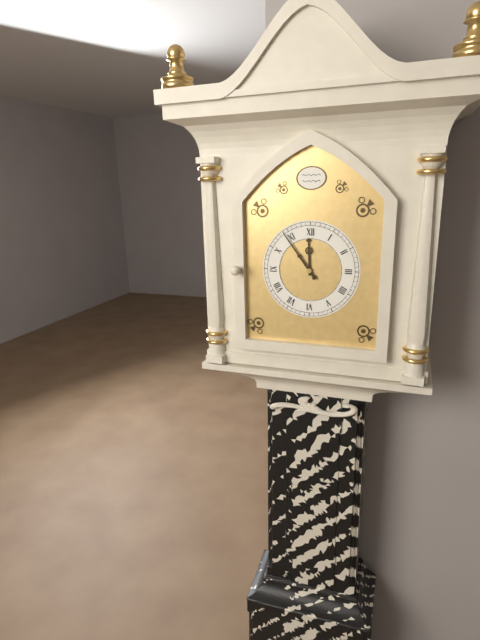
{"hour": 11, "minute": 54}
